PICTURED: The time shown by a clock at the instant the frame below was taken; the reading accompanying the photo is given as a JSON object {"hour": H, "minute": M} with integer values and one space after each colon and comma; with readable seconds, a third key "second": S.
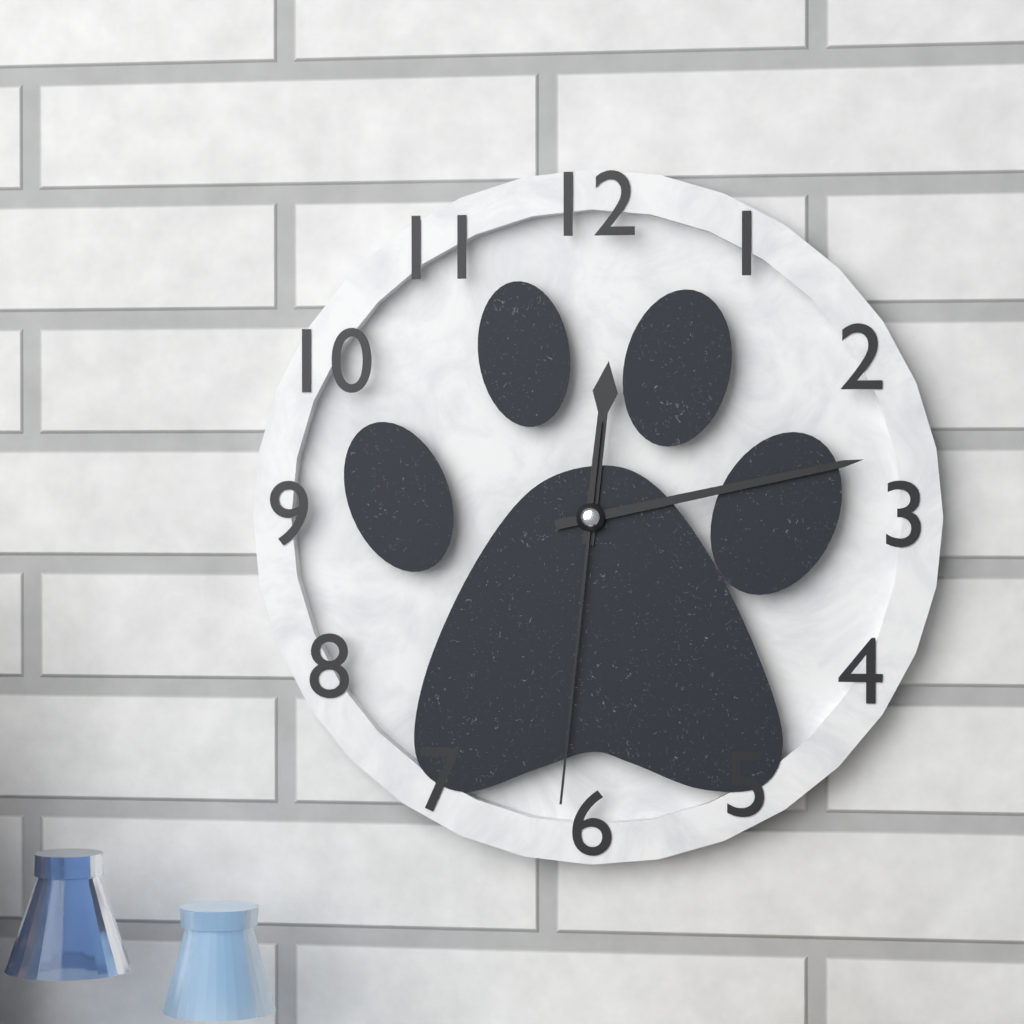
{"hour": 12, "minute": 13, "second": 31}
